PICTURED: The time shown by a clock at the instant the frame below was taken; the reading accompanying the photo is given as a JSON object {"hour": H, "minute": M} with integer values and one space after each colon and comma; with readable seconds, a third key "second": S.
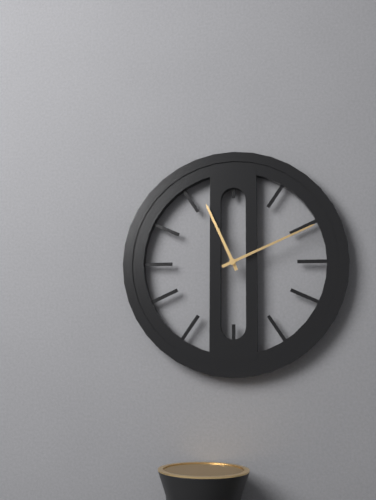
{"hour": 11, "minute": 11}
